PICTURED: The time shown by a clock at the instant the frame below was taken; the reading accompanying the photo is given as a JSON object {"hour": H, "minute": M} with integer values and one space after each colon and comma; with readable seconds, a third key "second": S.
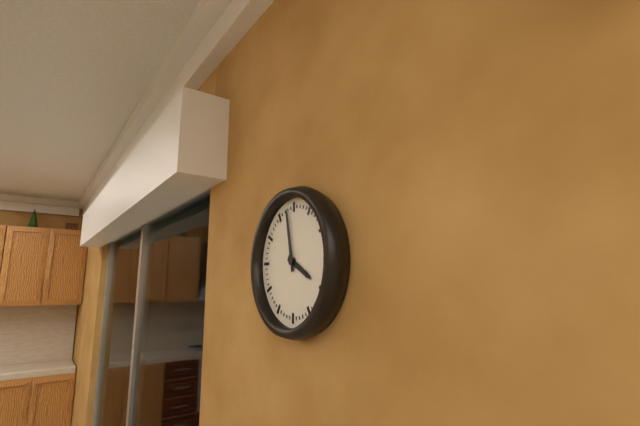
{"hour": 3, "minute": 58}
